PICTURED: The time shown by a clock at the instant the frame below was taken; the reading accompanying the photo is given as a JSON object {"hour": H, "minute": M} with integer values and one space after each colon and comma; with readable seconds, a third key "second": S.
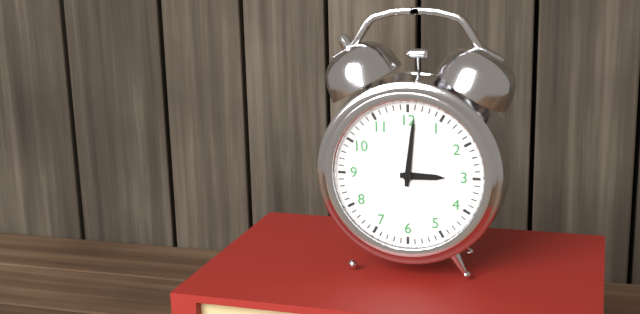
{"hour": 3, "minute": 1}
